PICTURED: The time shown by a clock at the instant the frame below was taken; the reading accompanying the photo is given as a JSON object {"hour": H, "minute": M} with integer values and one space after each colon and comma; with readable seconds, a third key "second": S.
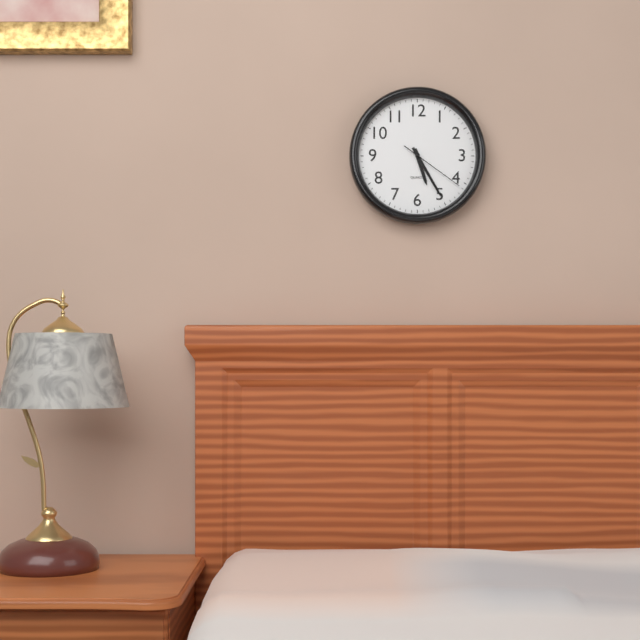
{"hour": 5, "minute": 25, "second": 21}
